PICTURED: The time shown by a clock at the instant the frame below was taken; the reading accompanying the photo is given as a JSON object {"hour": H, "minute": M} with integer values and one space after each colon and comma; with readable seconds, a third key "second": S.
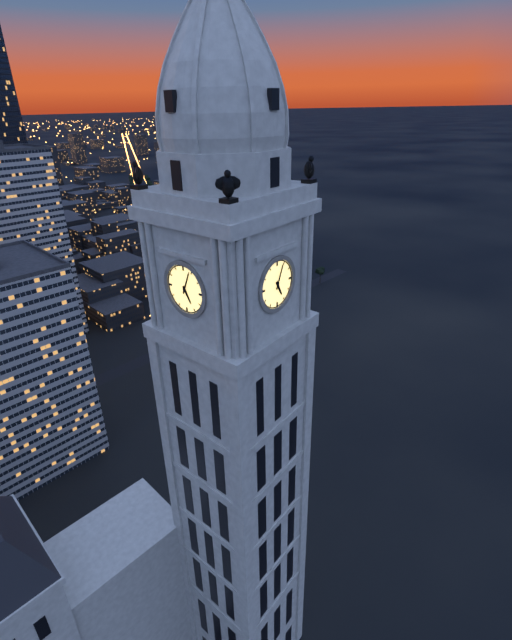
{"hour": 5, "minute": 4}
